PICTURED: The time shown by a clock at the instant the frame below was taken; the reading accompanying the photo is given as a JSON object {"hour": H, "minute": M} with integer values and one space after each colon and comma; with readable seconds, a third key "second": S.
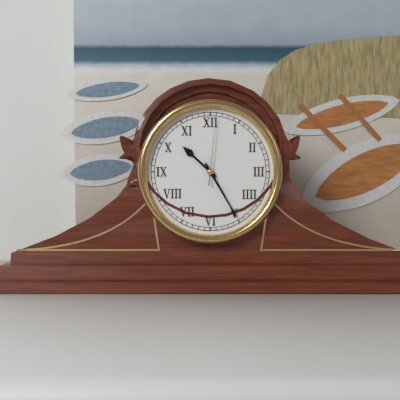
{"hour": 10, "minute": 25, "second": 1}
